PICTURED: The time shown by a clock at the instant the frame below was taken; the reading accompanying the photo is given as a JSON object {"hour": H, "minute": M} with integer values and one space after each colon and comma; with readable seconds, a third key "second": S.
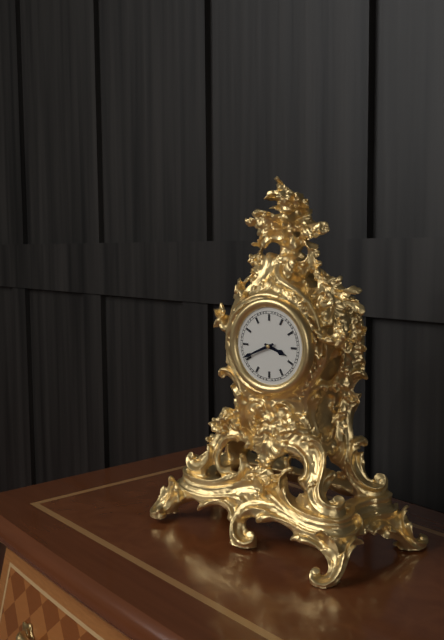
{"hour": 3, "minute": 41}
